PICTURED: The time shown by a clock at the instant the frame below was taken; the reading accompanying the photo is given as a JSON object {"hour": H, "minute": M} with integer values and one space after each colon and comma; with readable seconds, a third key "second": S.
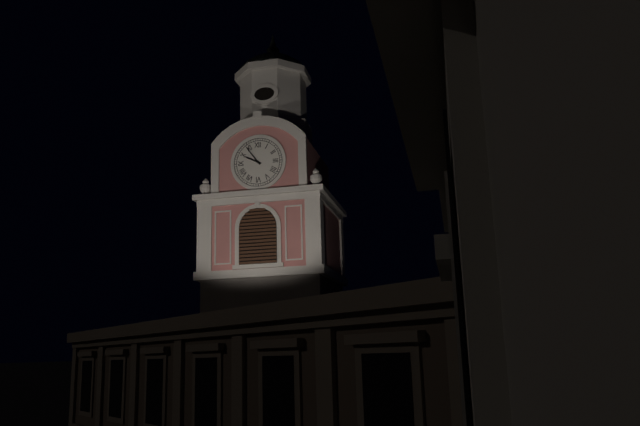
{"hour": 9, "minute": 54}
